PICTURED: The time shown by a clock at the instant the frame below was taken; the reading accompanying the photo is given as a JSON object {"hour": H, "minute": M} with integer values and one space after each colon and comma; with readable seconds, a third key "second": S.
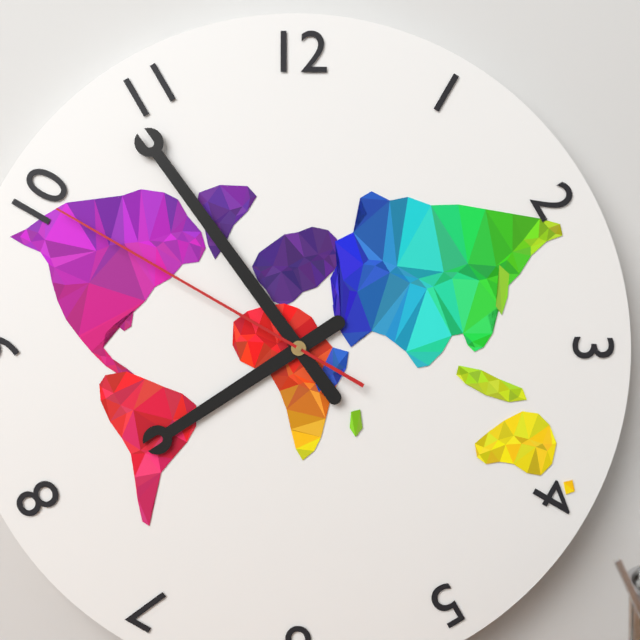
{"hour": 7, "minute": 54, "second": 50}
